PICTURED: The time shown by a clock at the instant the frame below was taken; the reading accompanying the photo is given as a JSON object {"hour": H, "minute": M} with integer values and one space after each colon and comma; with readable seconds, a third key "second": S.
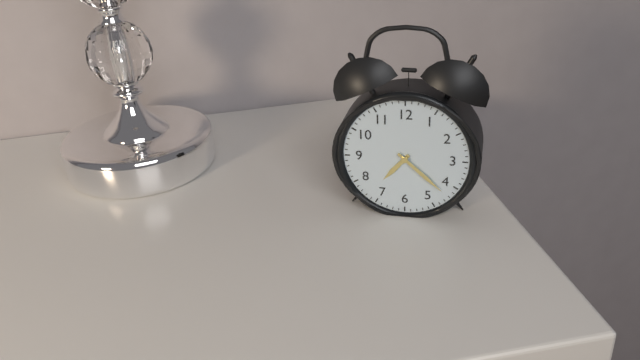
{"hour": 7, "minute": 22}
